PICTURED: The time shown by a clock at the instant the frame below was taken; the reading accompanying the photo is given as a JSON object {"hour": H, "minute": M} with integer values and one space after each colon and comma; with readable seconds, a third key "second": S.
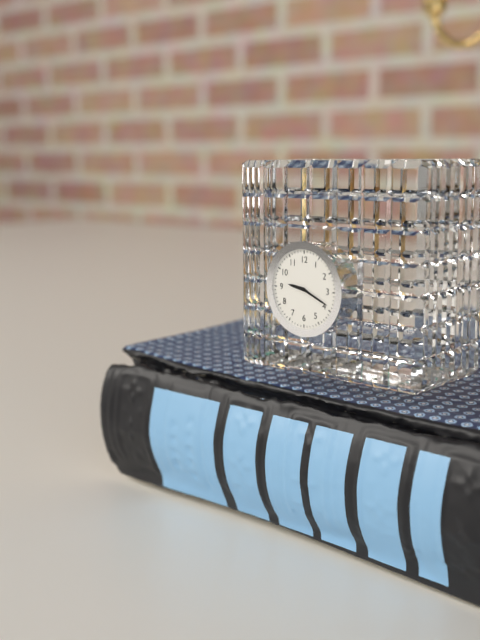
{"hour": 9, "minute": 19}
